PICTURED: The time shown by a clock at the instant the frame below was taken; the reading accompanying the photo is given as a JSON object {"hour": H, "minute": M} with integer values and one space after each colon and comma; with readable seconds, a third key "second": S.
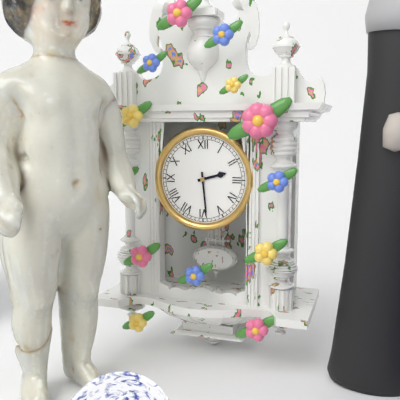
{"hour": 2, "minute": 29}
